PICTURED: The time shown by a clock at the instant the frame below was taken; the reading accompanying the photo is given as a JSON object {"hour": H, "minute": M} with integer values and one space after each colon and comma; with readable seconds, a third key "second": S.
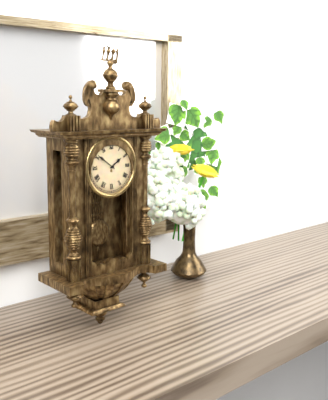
{"hour": 1, "minute": 51}
